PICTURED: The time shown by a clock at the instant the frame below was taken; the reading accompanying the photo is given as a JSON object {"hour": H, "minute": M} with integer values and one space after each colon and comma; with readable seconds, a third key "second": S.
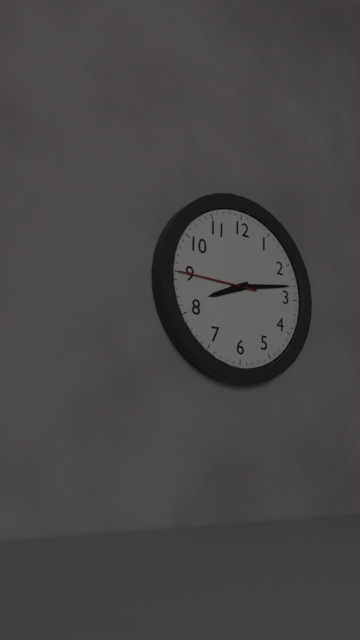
{"hour": 8, "minute": 13, "second": 45}
